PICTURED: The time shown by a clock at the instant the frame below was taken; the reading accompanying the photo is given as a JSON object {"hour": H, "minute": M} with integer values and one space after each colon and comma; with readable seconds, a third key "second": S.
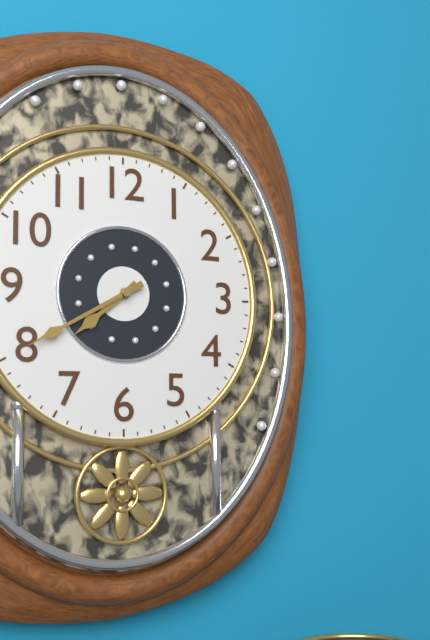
{"hour": 7, "minute": 40}
